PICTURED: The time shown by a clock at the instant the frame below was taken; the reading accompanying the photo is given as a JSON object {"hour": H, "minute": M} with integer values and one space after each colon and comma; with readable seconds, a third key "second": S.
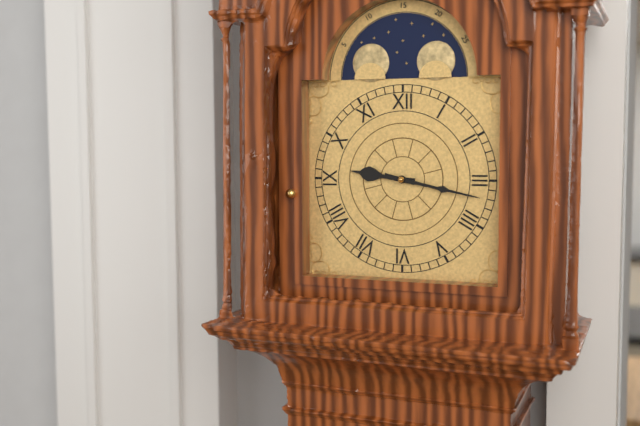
{"hour": 9, "minute": 17}
